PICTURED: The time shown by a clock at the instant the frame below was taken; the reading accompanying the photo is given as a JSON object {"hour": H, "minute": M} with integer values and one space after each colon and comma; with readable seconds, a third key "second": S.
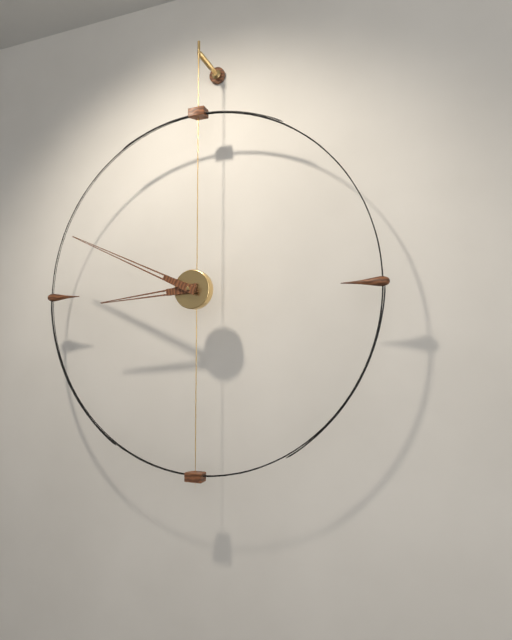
{"hour": 8, "minute": 49}
